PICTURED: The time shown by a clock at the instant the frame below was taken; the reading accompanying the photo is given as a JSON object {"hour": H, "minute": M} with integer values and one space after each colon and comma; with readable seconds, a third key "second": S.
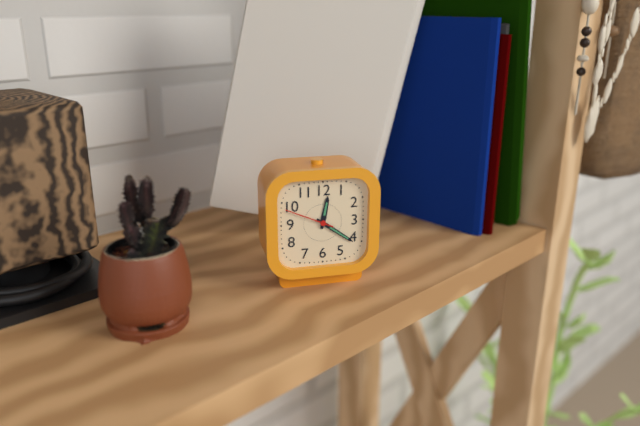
{"hour": 12, "minute": 21}
